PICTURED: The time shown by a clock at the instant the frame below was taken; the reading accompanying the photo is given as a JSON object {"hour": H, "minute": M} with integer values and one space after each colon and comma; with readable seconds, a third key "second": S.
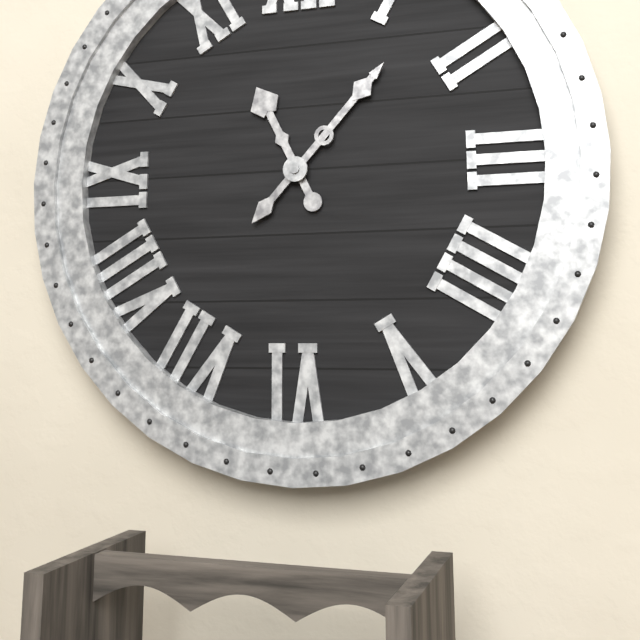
{"hour": 11, "minute": 7}
